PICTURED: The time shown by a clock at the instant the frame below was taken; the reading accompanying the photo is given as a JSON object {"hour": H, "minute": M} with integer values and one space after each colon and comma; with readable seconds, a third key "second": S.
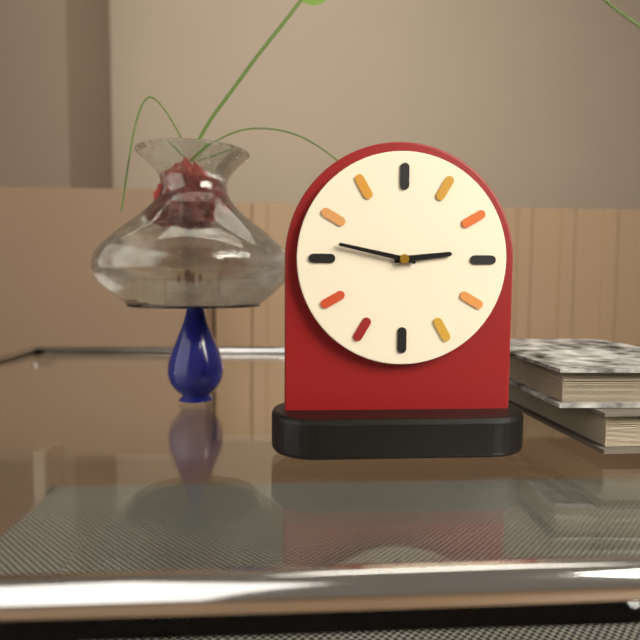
{"hour": 2, "minute": 47}
